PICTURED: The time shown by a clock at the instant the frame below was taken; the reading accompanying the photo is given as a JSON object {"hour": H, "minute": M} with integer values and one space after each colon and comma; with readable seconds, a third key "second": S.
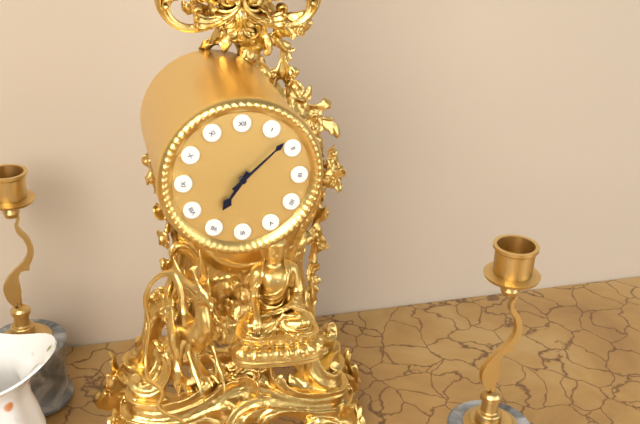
{"hour": 7, "minute": 8}
